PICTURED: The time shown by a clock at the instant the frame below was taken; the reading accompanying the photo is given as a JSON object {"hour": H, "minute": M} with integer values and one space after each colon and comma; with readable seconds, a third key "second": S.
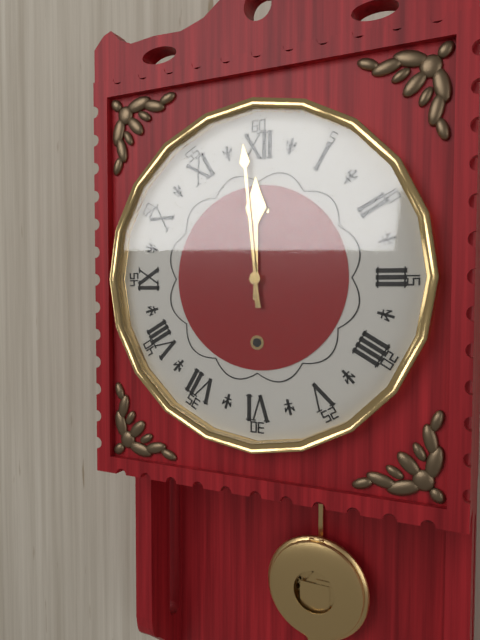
{"hour": 11, "minute": 59}
